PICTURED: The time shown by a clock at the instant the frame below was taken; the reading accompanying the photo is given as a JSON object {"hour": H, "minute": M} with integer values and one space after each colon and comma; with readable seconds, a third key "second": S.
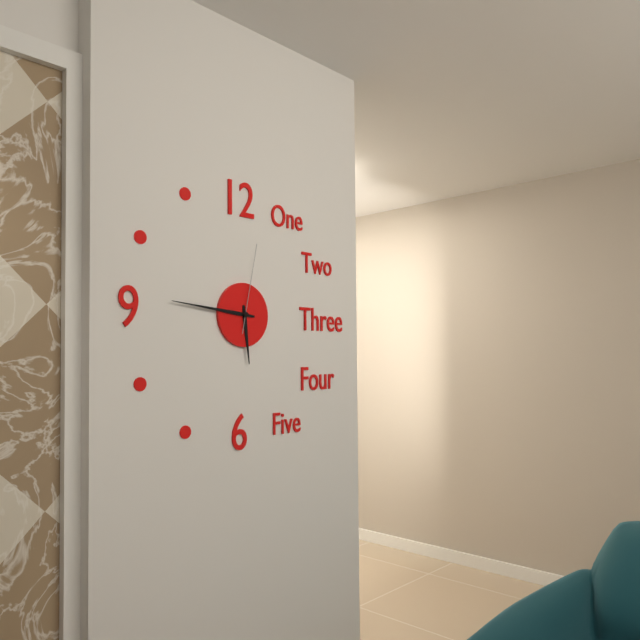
{"hour": 5, "minute": 46, "second": 2}
